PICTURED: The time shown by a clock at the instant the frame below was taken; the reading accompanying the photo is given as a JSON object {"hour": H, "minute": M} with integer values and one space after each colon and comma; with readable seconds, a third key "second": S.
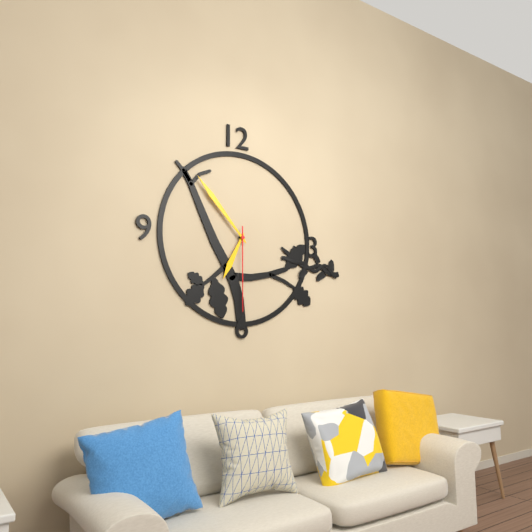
{"hour": 6, "minute": 53, "second": 30}
